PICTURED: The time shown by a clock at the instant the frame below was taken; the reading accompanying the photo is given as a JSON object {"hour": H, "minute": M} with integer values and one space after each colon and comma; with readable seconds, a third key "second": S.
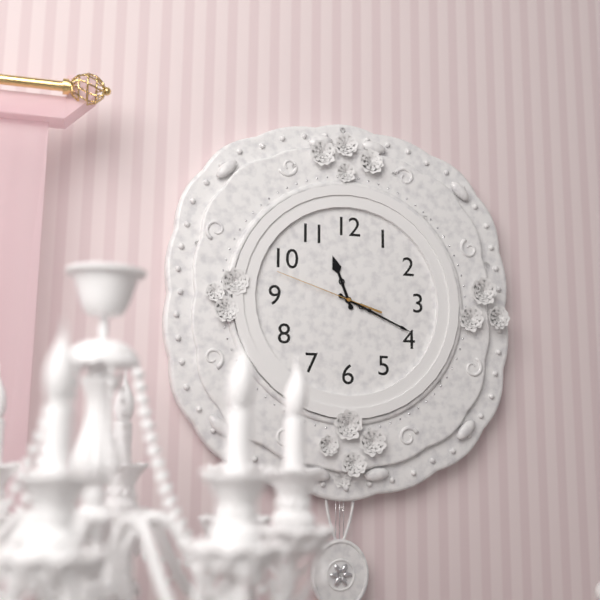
{"hour": 11, "minute": 19, "second": 48}
